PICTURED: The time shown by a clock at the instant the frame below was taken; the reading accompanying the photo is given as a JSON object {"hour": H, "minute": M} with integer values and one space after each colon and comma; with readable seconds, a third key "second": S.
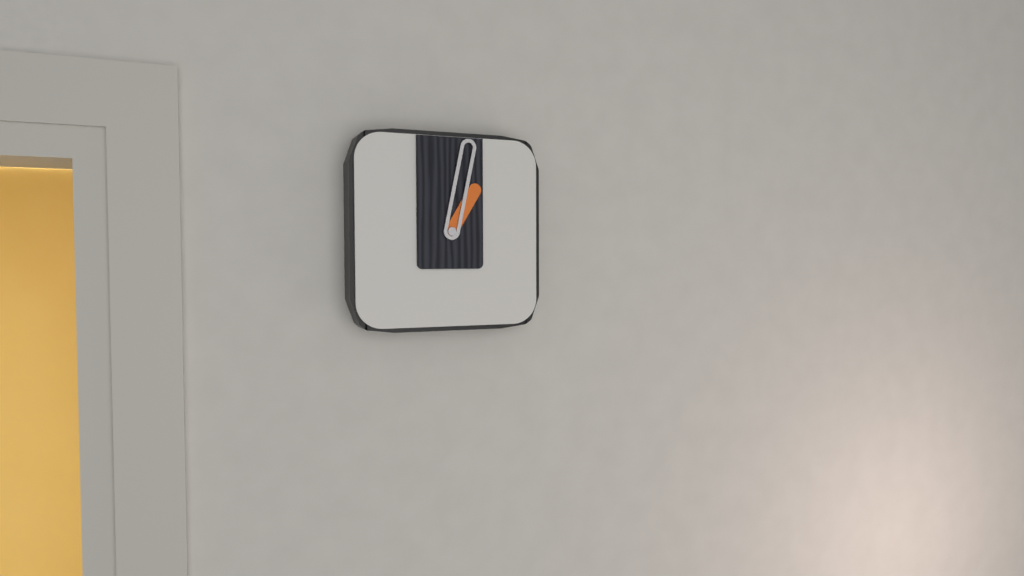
{"hour": 1, "minute": 2}
